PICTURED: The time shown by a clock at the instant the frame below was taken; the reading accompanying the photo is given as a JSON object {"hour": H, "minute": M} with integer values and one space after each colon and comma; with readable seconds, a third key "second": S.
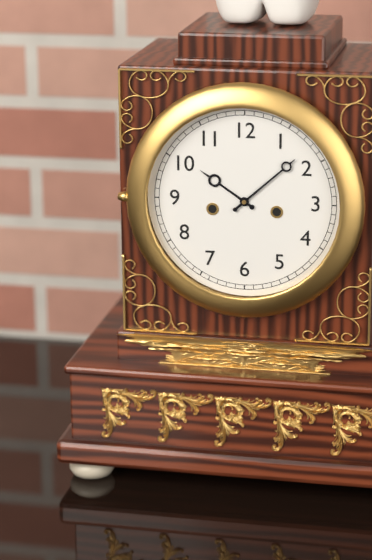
{"hour": 10, "minute": 8}
